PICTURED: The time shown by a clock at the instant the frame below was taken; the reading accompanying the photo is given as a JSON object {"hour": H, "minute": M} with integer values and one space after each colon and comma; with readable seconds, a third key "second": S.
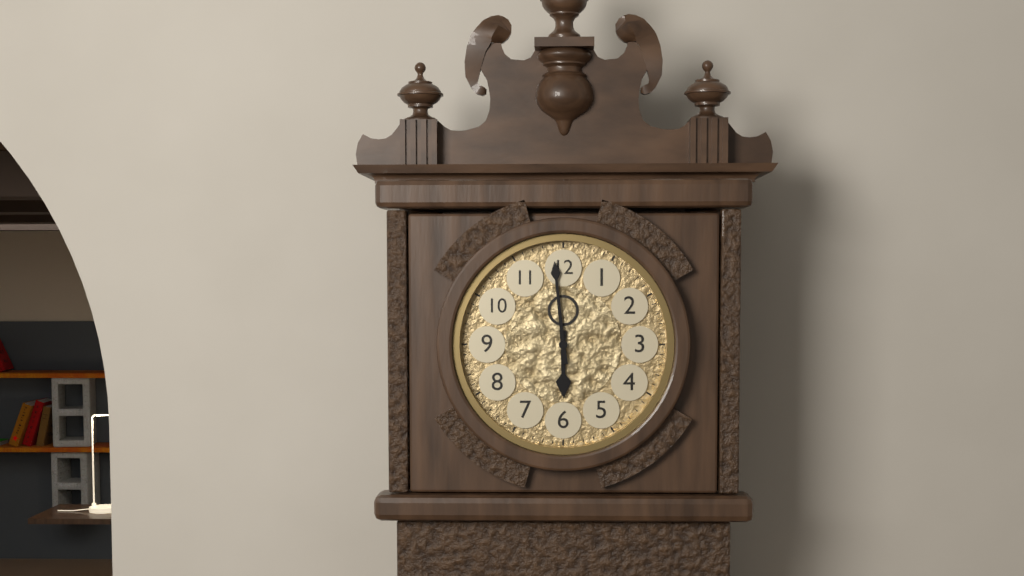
{"hour": 5, "minute": 59}
